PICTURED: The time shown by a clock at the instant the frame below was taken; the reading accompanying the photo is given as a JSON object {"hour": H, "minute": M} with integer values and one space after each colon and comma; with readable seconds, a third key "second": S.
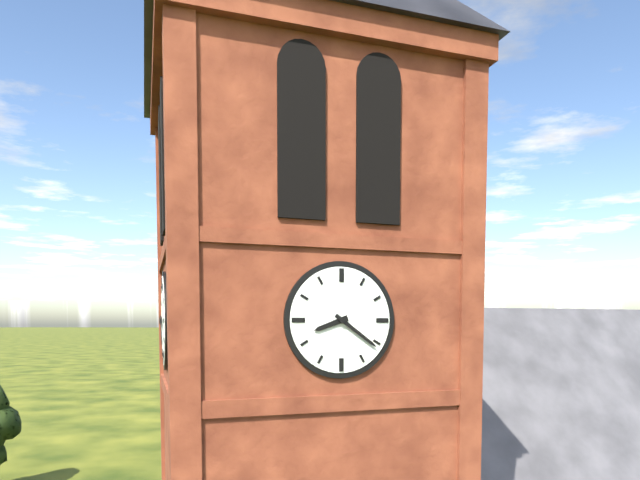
{"hour": 8, "minute": 21}
